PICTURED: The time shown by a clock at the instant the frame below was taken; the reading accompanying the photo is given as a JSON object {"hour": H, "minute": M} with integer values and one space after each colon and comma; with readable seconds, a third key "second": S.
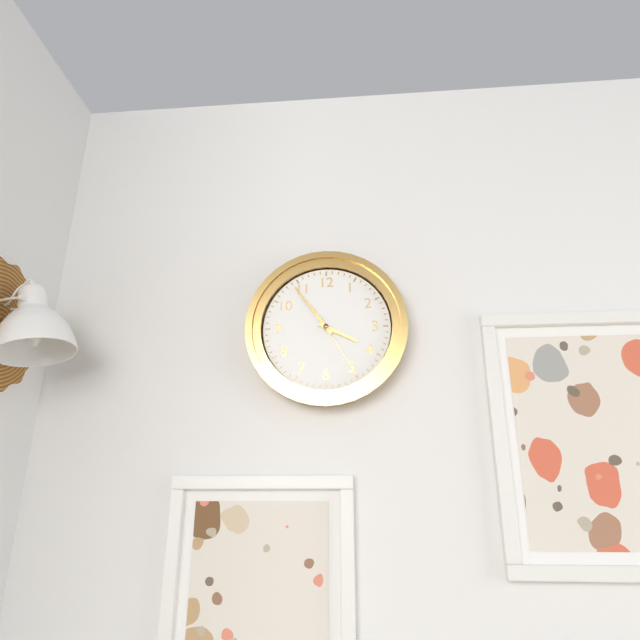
{"hour": 3, "minute": 54, "second": 25}
